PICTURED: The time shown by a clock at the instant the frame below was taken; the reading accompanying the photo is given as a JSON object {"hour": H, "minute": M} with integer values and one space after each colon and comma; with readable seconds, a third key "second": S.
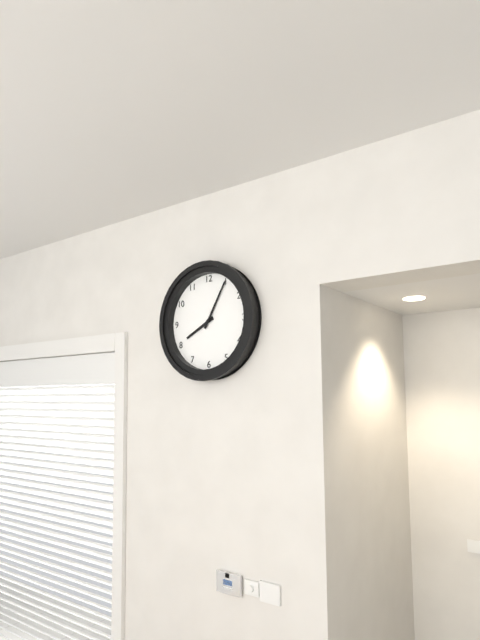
{"hour": 8, "minute": 5}
